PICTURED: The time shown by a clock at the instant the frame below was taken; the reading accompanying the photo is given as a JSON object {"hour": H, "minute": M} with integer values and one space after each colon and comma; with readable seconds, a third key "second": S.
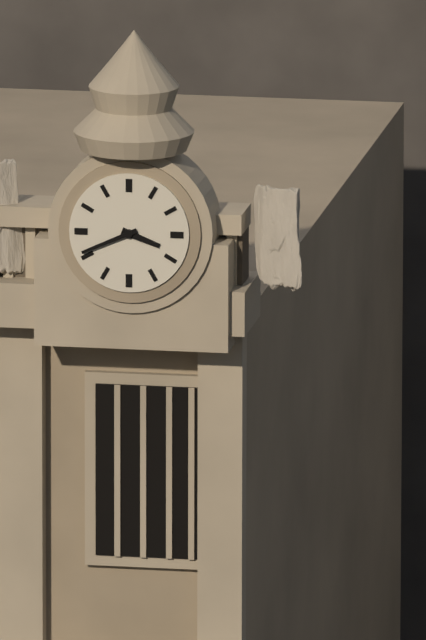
{"hour": 3, "minute": 41}
